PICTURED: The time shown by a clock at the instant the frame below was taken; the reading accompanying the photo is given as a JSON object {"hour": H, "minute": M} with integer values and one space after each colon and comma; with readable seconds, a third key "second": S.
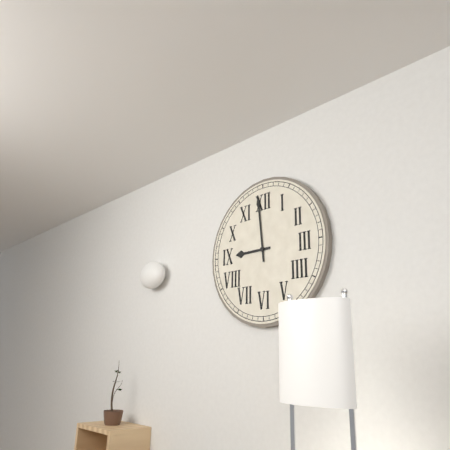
{"hour": 8, "minute": 59}
